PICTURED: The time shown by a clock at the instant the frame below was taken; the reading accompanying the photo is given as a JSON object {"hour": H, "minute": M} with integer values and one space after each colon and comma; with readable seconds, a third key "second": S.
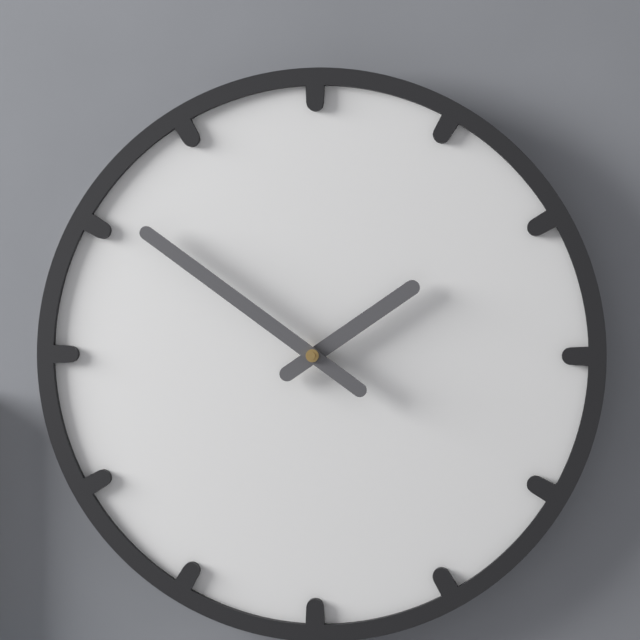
{"hour": 1, "minute": 51}
